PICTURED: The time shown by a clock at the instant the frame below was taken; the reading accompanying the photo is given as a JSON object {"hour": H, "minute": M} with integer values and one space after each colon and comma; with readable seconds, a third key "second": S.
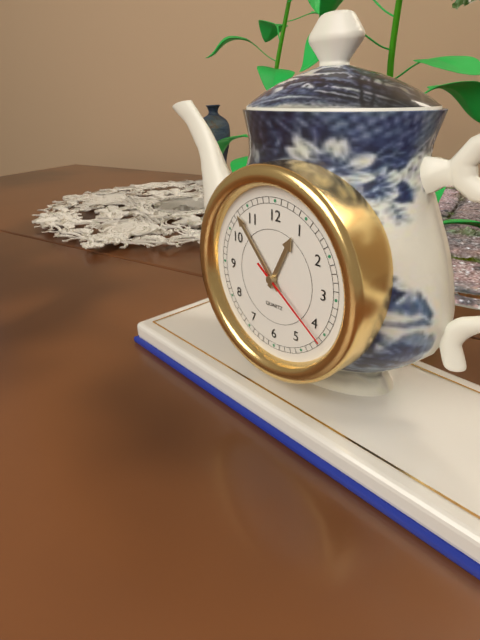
{"hour": 12, "minute": 53, "second": 21}
